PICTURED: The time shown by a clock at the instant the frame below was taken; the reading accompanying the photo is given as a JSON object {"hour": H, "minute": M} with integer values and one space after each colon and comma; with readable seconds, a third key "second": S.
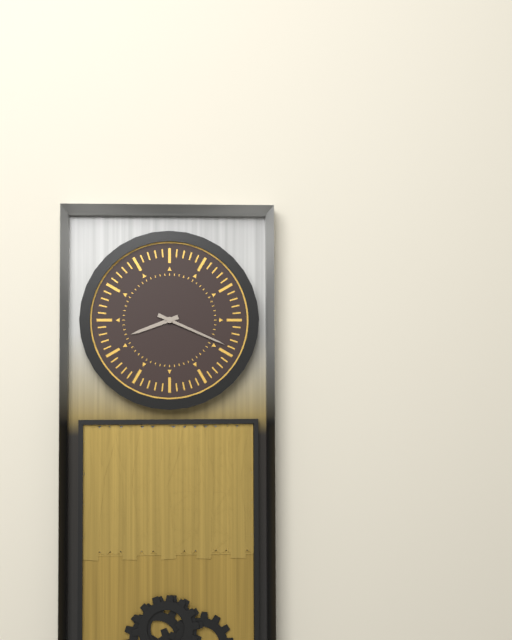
{"hour": 8, "minute": 19}
